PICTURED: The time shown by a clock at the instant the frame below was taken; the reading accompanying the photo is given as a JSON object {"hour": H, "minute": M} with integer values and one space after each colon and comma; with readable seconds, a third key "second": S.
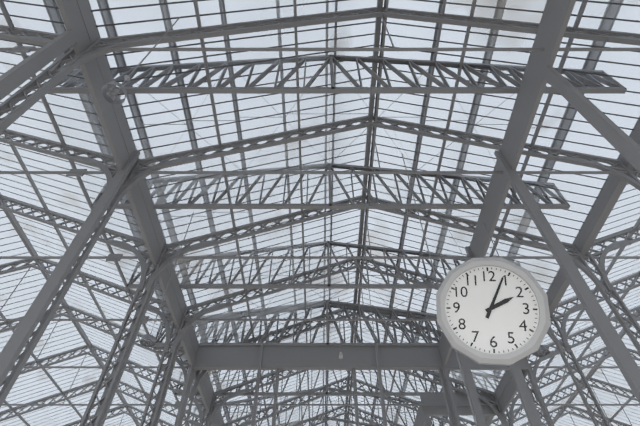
{"hour": 2, "minute": 4}
